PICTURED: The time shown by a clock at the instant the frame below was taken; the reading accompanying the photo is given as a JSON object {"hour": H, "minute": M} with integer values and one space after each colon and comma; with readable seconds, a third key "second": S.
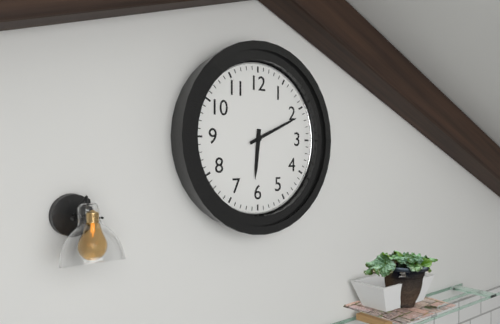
{"hour": 6, "minute": 11}
